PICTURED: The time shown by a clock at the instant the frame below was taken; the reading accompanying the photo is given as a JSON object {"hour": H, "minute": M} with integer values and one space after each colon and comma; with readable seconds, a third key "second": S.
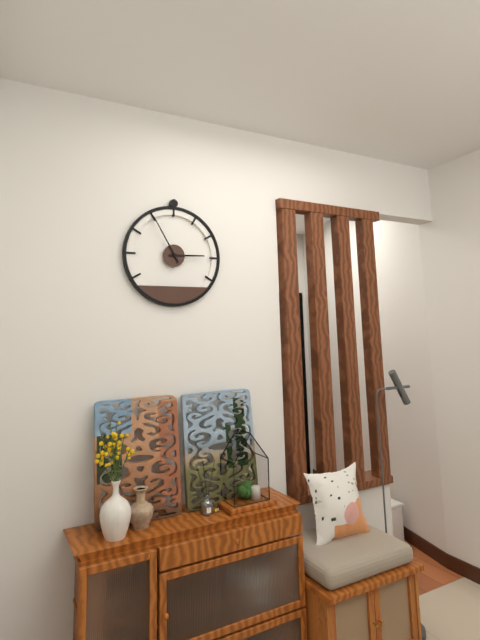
{"hour": 2, "minute": 55}
